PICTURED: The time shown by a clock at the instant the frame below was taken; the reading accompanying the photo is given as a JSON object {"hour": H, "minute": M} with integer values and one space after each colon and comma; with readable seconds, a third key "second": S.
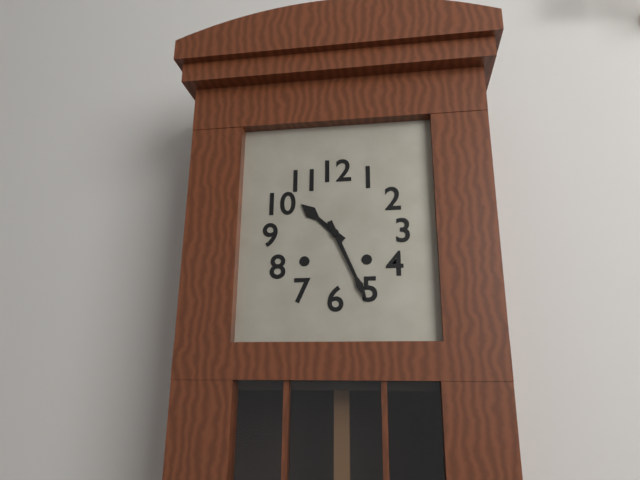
{"hour": 10, "minute": 26}
